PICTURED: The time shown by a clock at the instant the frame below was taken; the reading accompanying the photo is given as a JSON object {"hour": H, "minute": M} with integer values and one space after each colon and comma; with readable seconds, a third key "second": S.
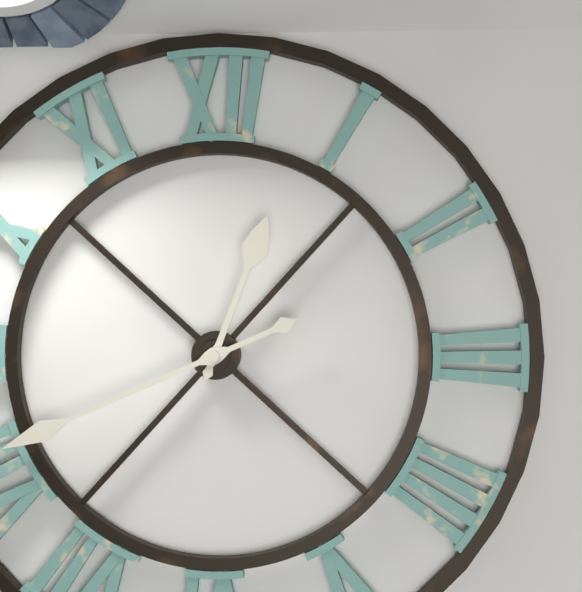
{"hour": 12, "minute": 41}
